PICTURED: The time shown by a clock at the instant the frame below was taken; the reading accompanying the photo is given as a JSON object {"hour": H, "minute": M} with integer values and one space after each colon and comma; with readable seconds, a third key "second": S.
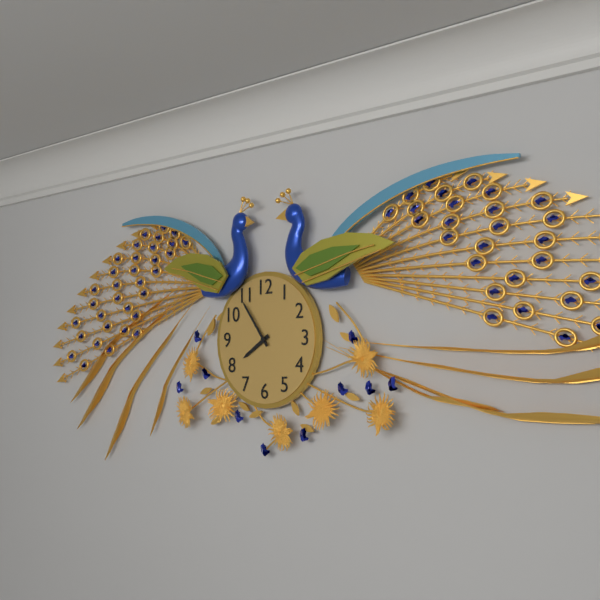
{"hour": 7, "minute": 54}
